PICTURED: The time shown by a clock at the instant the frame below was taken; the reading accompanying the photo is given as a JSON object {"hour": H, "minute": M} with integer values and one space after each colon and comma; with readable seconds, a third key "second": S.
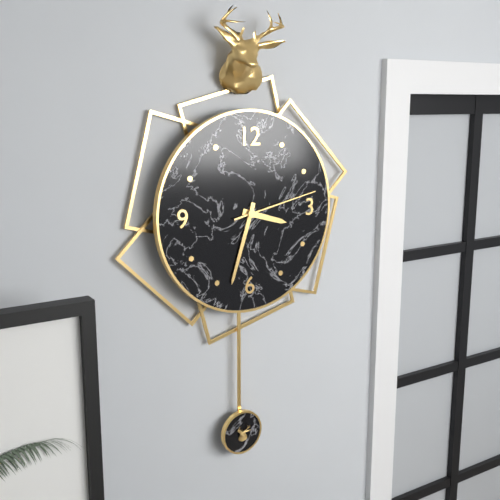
{"hour": 3, "minute": 33, "second": 13}
